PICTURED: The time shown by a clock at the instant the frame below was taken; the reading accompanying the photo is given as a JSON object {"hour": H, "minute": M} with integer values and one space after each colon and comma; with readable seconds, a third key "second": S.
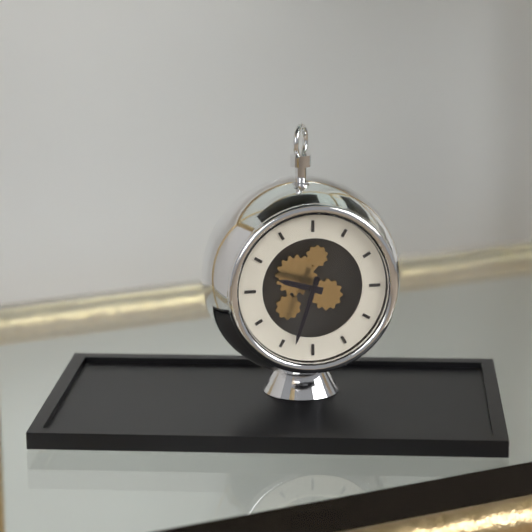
{"hour": 9, "minute": 33}
